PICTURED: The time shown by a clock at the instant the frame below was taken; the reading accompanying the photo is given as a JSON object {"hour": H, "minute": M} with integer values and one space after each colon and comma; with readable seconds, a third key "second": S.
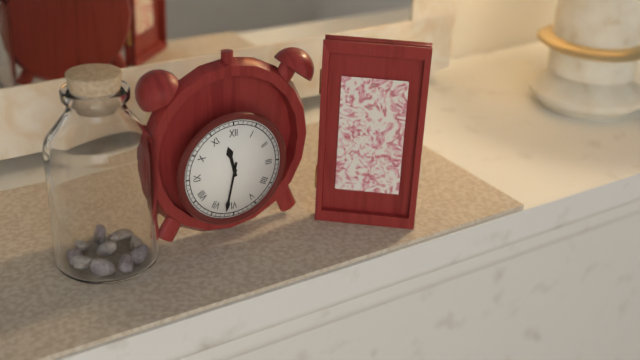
{"hour": 11, "minute": 32}
